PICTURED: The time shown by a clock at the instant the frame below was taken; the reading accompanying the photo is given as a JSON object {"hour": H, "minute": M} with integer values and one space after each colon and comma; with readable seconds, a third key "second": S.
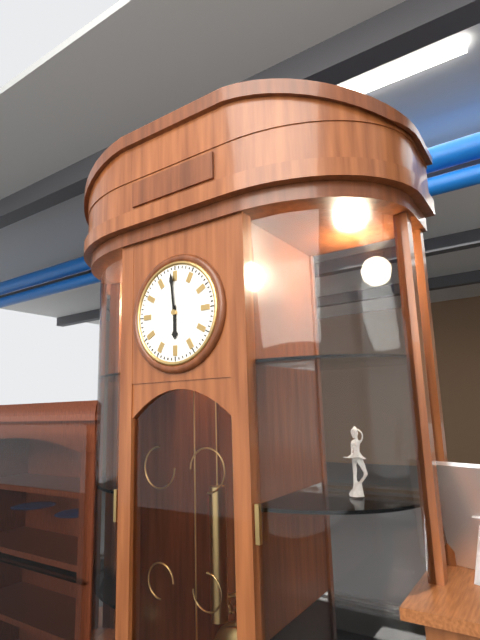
{"hour": 5, "minute": 59}
